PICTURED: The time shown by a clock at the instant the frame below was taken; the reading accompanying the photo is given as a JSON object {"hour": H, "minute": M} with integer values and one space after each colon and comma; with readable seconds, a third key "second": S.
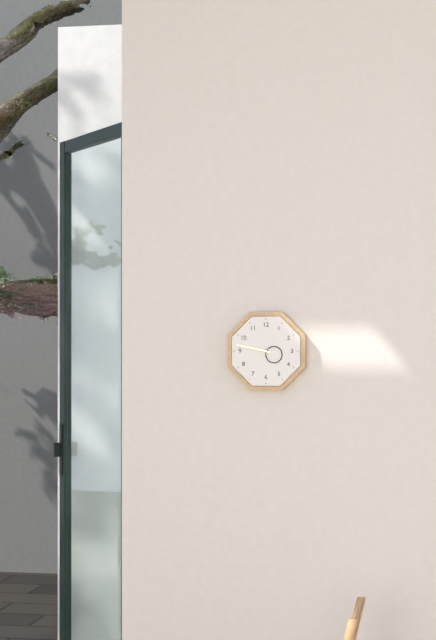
{"hour": 3, "minute": 47}
